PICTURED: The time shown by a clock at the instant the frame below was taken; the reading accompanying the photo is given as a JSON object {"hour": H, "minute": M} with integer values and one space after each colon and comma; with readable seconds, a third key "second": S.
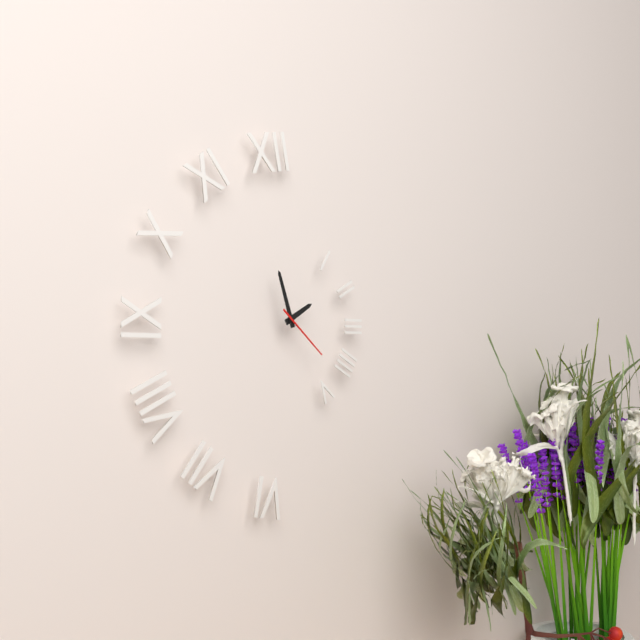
{"hour": 1, "minute": 57, "second": 22}
